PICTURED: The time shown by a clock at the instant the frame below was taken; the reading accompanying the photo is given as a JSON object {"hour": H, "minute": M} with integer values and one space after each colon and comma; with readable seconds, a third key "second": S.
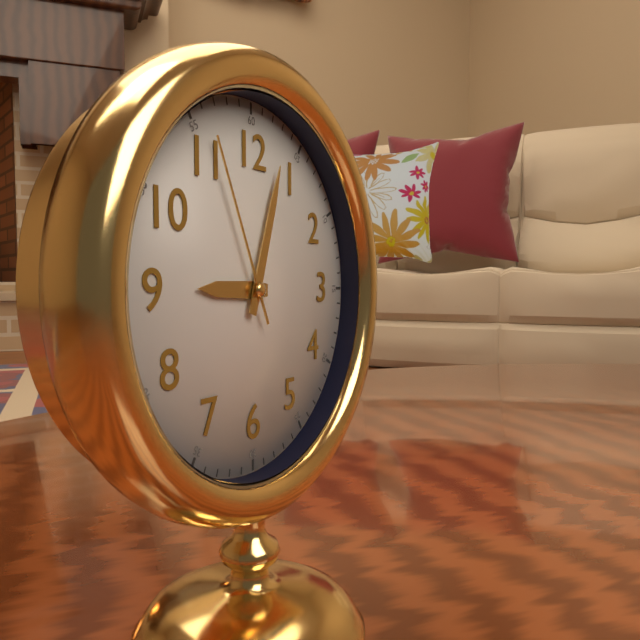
{"hour": 9, "minute": 3, "second": 56}
